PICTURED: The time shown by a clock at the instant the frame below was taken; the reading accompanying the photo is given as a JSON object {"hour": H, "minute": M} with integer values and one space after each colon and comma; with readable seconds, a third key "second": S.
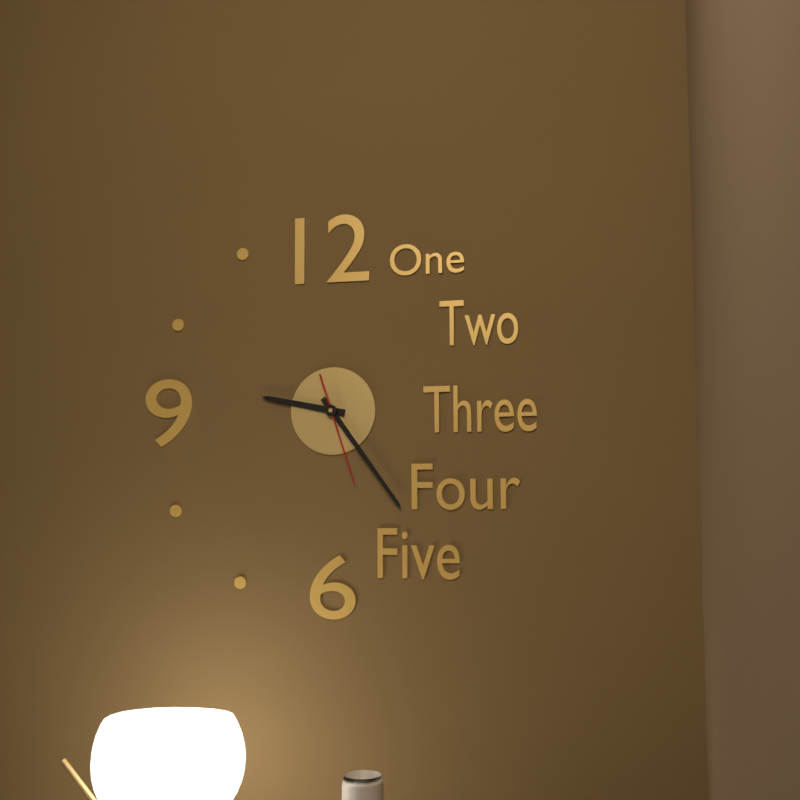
{"hour": 9, "minute": 24, "second": 27}
